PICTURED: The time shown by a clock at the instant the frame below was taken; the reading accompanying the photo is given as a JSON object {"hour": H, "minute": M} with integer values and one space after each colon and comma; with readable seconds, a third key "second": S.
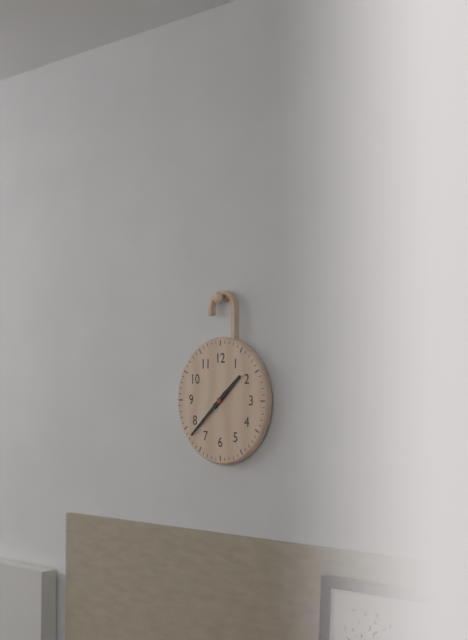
{"hour": 1, "minute": 38}
